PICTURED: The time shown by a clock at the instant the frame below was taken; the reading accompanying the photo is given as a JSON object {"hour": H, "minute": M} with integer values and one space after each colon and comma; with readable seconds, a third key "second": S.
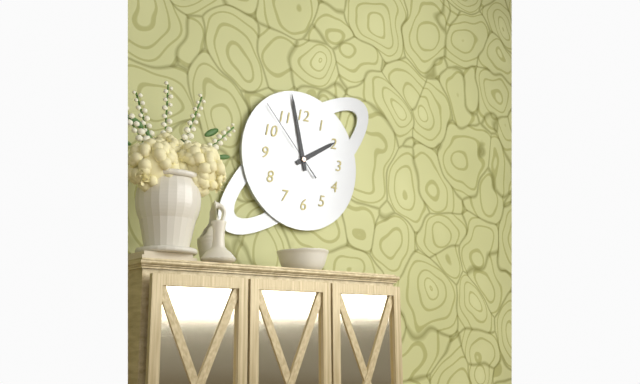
{"hour": 1, "minute": 58, "second": 53}
